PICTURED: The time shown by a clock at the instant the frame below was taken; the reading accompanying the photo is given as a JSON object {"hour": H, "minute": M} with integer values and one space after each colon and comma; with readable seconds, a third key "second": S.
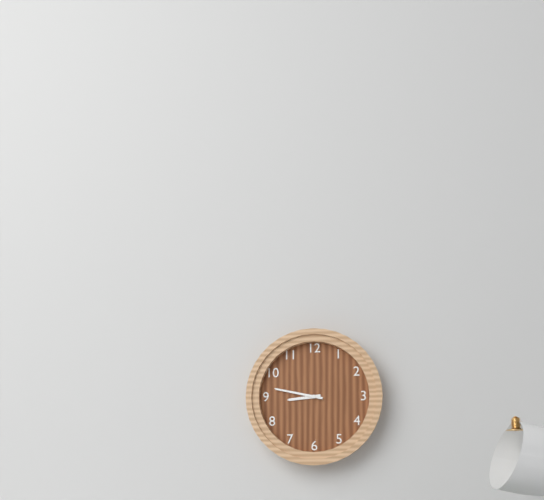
{"hour": 8, "minute": 47}
